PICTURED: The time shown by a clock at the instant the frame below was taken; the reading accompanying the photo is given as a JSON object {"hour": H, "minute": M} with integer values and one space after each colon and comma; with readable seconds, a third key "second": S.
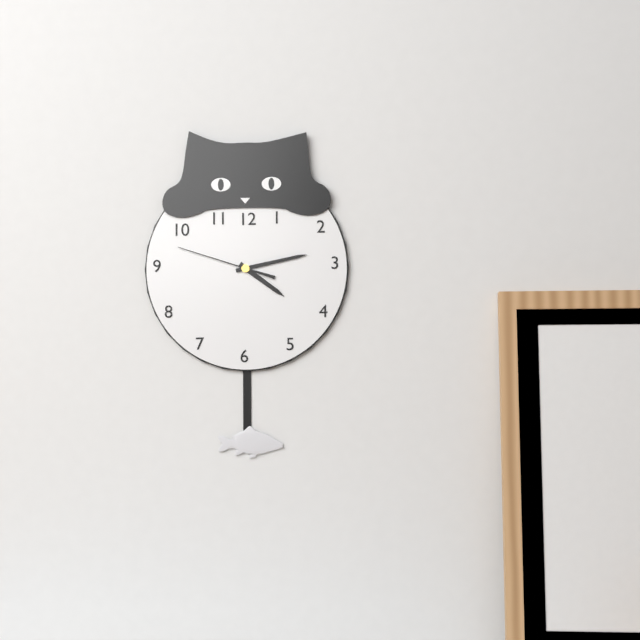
{"hour": 4, "minute": 13, "second": 48}
